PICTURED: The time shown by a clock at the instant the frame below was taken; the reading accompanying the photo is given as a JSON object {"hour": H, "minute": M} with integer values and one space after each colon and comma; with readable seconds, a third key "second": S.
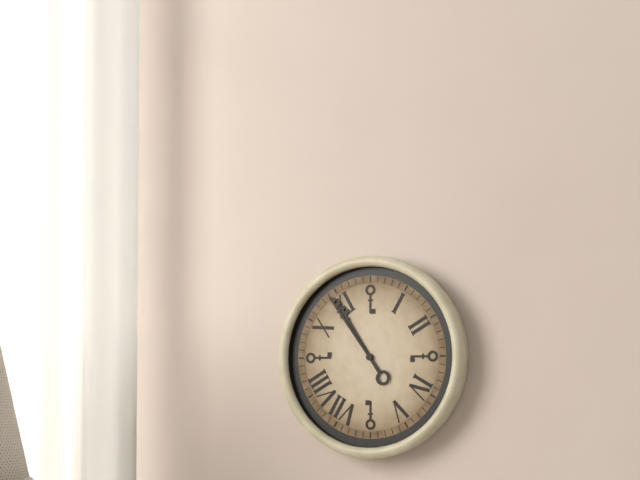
{"hour": 10, "minute": 54}
